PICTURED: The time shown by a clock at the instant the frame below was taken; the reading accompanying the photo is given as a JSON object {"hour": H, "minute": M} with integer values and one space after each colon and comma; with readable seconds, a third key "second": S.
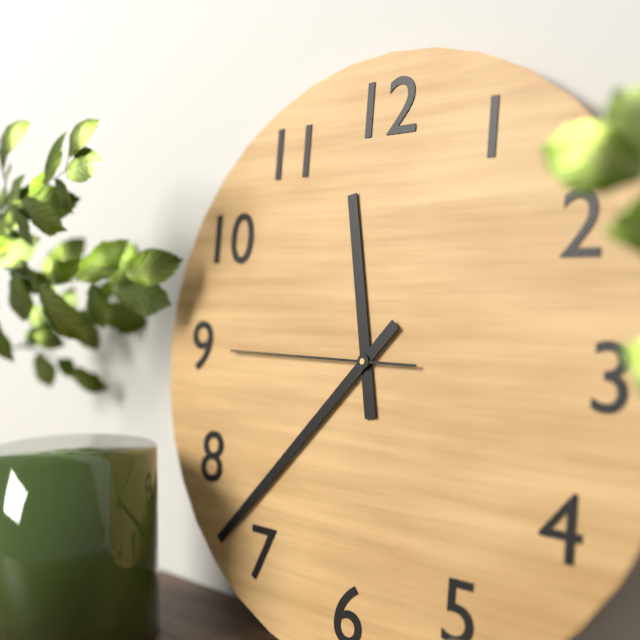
{"hour": 11, "minute": 37, "second": 45}
